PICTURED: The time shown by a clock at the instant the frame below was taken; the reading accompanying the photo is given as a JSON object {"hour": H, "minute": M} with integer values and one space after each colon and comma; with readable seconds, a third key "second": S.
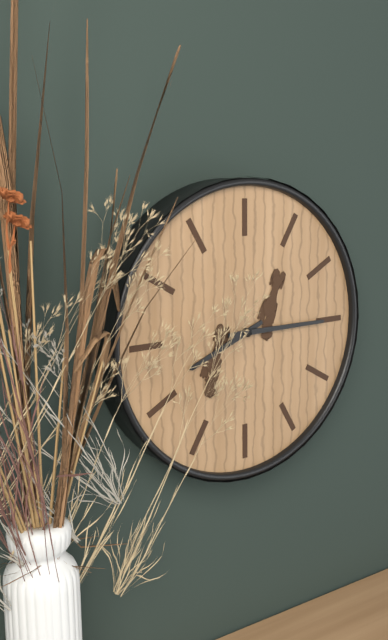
{"hour": 8, "minute": 15}
